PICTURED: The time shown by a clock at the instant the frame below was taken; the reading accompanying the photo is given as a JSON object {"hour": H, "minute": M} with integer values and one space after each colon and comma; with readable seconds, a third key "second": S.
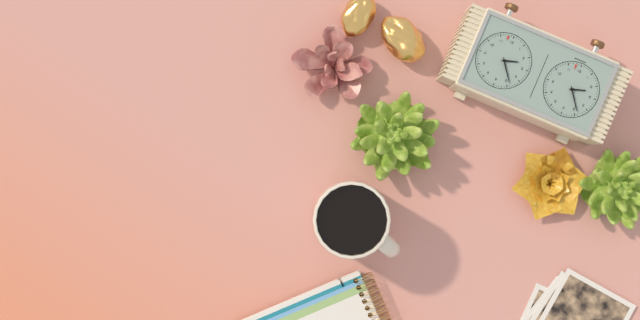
{"hour": 2, "minute": 24}
